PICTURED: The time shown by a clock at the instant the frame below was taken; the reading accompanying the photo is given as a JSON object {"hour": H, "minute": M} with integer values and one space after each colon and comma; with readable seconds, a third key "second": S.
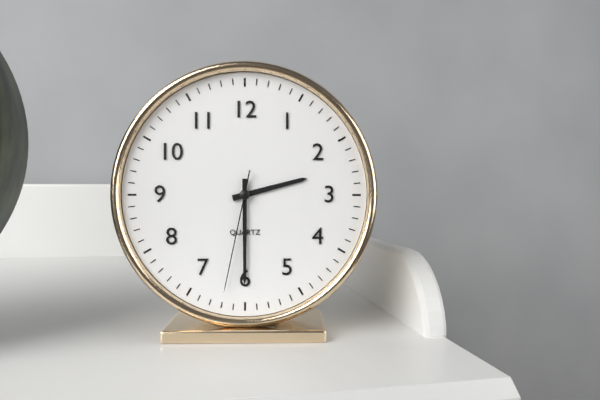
{"hour": 2, "minute": 30, "second": 32}
